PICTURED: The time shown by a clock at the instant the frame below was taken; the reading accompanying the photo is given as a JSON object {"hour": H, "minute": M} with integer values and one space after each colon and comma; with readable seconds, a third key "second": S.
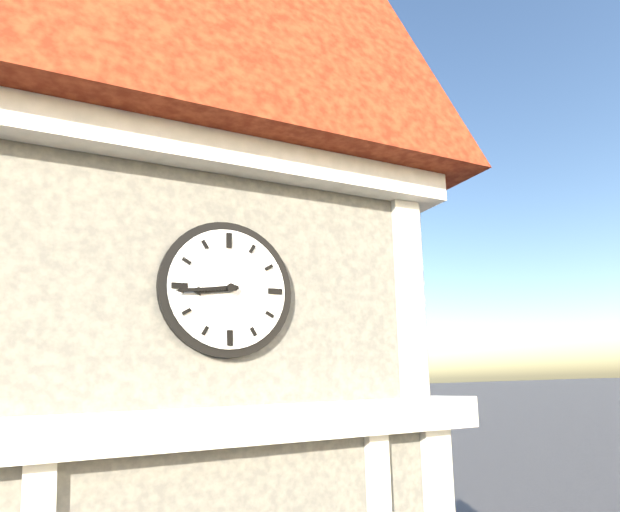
{"hour": 8, "minute": 44}
